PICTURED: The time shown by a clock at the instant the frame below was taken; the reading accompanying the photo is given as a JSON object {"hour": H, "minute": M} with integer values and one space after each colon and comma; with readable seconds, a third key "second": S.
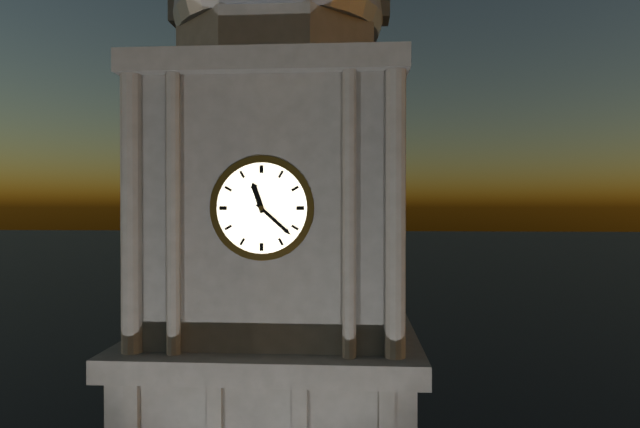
{"hour": 11, "minute": 22}
